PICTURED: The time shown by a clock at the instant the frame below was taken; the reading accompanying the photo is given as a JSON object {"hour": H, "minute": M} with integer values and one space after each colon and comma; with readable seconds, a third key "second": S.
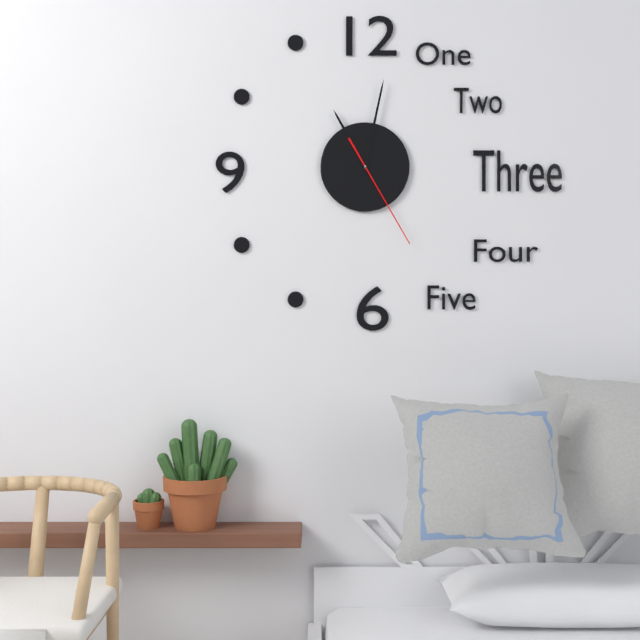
{"hour": 11, "minute": 2, "second": 25}
